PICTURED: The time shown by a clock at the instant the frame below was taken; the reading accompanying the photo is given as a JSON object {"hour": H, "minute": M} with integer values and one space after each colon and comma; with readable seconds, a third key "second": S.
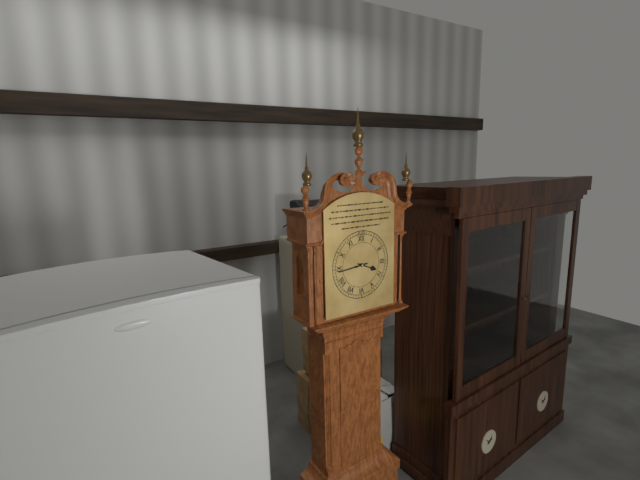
{"hour": 3, "minute": 44}
